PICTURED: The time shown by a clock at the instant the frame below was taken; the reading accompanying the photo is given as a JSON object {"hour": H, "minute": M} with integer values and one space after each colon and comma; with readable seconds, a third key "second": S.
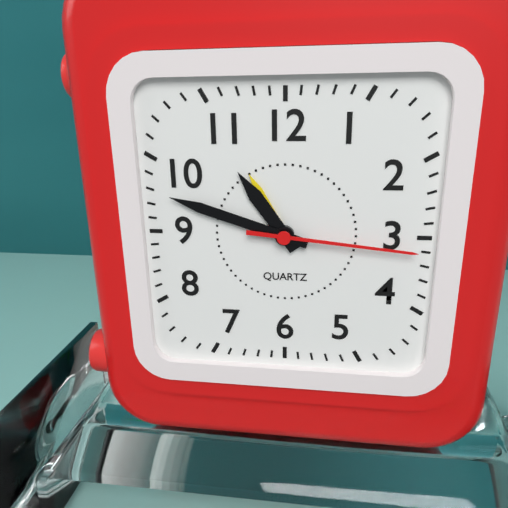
{"hour": 10, "minute": 48, "second": 16}
